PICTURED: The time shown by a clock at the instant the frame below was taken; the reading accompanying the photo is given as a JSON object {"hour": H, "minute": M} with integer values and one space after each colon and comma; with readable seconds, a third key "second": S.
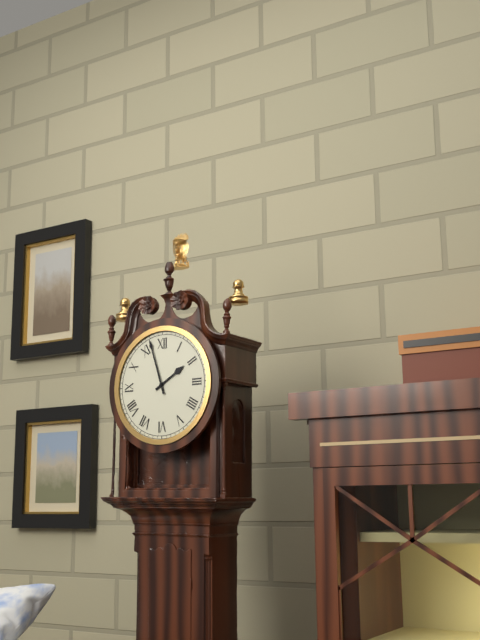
{"hour": 1, "minute": 57}
